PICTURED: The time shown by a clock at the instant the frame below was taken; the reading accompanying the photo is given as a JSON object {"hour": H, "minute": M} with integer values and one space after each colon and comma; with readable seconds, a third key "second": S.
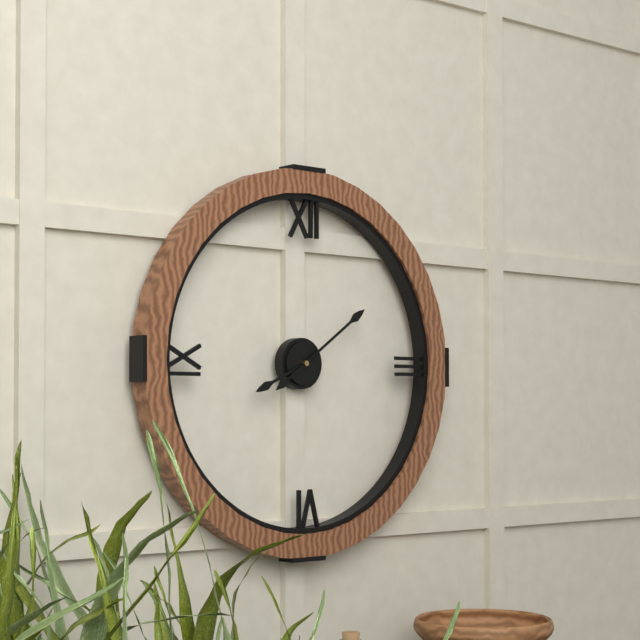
{"hour": 8, "minute": 9}
